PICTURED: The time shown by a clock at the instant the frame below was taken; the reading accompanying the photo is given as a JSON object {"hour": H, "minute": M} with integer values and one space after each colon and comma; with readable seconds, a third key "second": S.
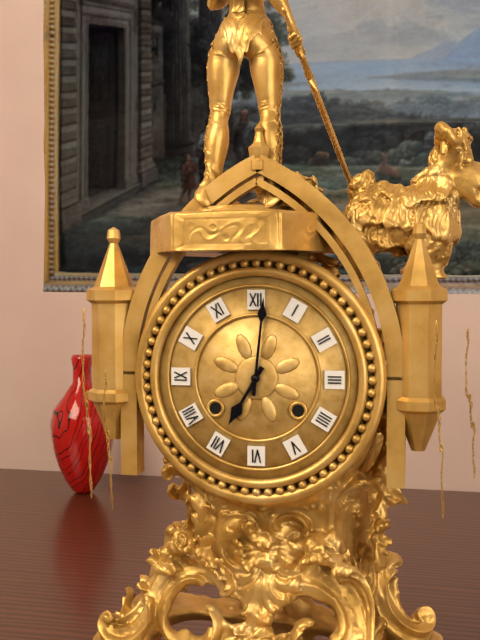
{"hour": 7, "minute": 1}
